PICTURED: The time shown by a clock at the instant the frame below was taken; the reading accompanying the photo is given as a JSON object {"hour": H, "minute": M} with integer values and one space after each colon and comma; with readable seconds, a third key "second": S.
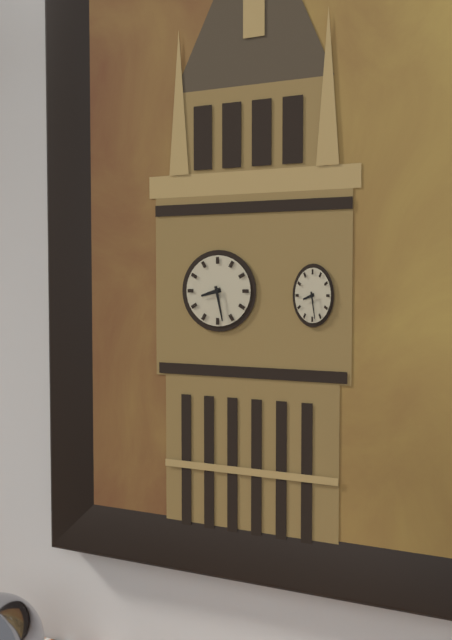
{"hour": 8, "minute": 28}
